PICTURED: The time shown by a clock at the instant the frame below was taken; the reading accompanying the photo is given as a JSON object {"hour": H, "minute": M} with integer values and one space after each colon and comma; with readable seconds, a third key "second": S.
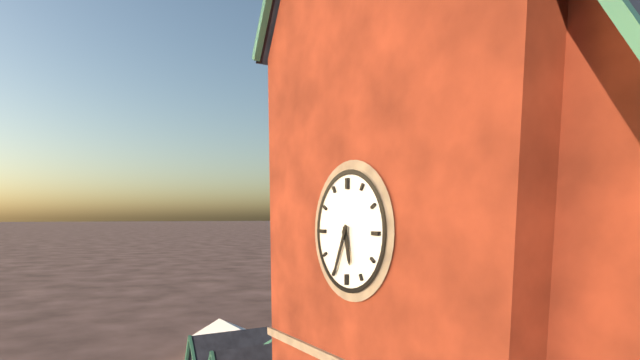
{"hour": 5, "minute": 34}
